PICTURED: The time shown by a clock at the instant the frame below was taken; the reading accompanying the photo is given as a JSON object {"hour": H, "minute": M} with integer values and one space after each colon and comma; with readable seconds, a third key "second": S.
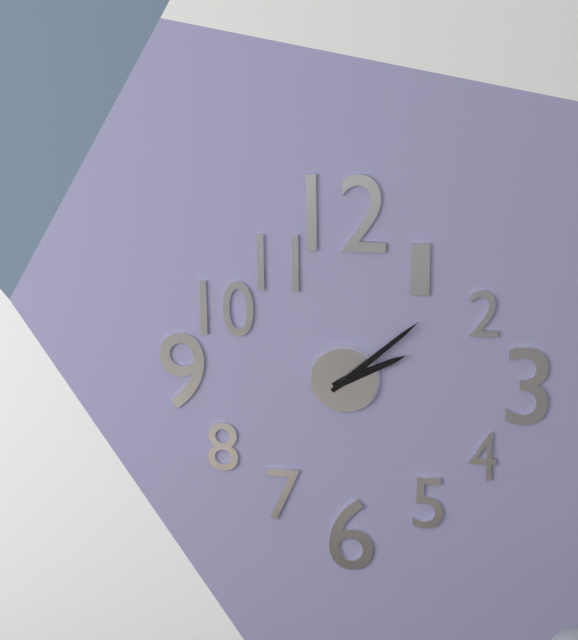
{"hour": 2, "minute": 8}
